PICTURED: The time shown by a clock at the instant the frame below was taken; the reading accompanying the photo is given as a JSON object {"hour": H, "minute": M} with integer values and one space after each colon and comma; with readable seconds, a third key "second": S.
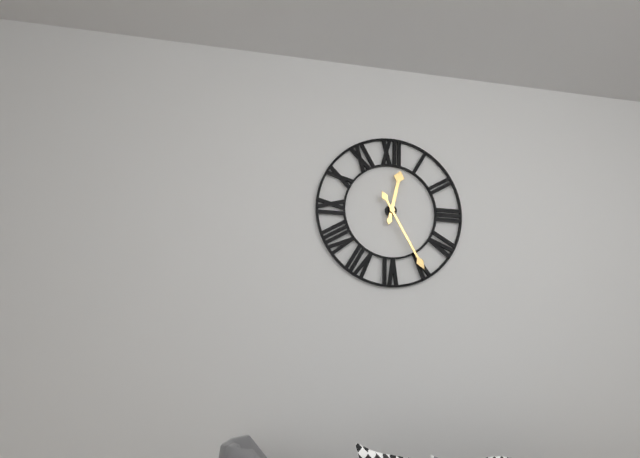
{"hour": 12, "minute": 25}
